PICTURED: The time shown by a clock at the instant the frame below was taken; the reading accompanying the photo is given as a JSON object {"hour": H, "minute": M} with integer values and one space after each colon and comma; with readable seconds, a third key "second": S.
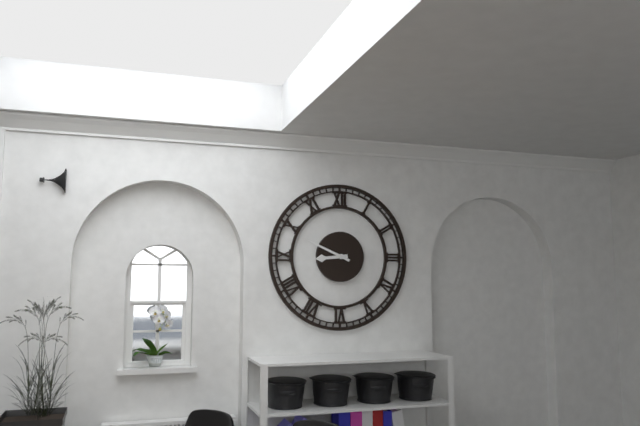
{"hour": 8, "minute": 49}
